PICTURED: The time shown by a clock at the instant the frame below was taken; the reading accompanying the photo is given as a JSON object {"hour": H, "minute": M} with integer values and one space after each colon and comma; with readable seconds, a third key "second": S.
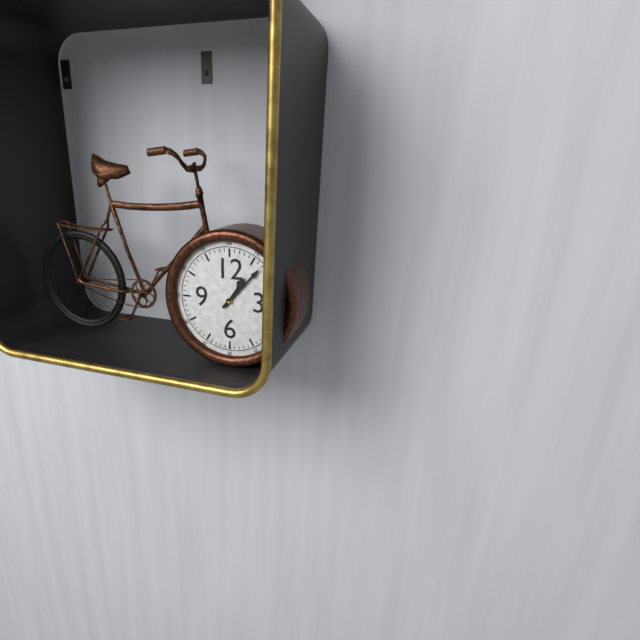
{"hour": 1, "minute": 7}
